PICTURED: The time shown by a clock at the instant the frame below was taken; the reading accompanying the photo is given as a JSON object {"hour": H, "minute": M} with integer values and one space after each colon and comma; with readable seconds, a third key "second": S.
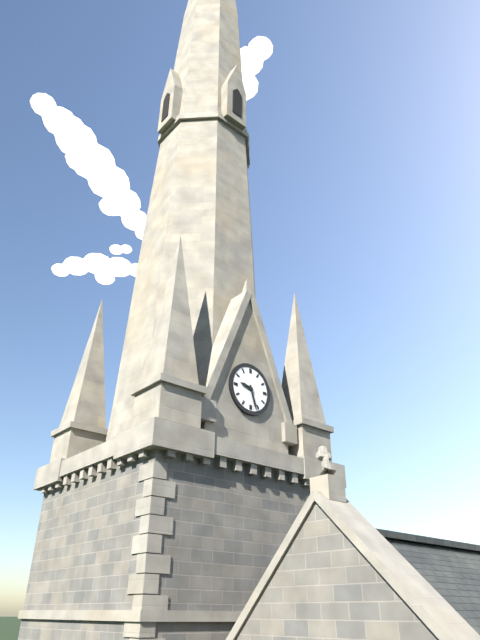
{"hour": 9, "minute": 27}
